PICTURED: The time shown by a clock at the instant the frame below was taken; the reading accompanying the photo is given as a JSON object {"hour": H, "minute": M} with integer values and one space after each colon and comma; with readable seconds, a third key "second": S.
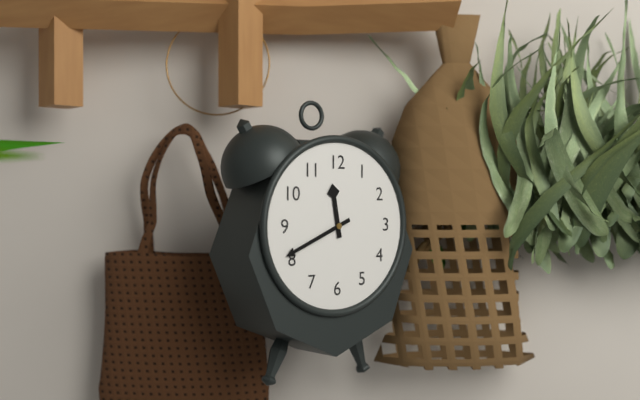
{"hour": 11, "minute": 41}
